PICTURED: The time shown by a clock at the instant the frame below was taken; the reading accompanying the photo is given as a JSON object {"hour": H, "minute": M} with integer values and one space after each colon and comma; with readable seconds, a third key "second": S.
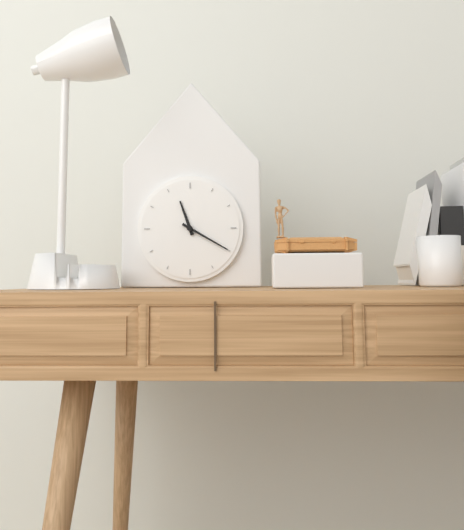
{"hour": 11, "minute": 20}
